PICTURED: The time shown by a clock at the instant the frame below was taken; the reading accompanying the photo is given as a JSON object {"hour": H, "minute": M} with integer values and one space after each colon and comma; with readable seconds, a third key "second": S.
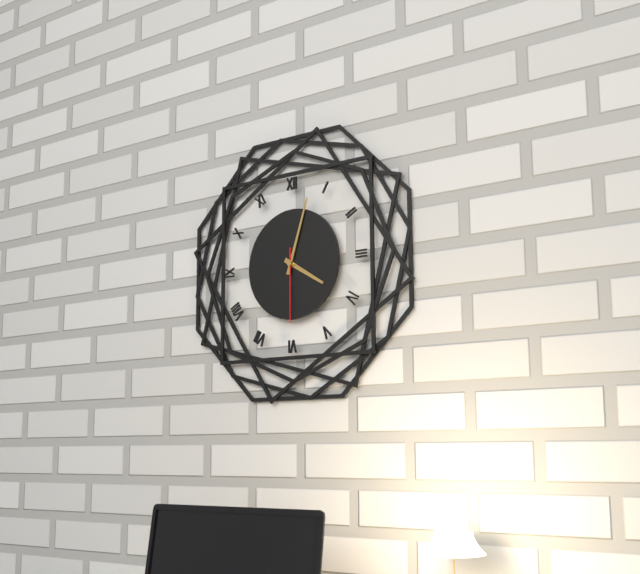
{"hour": 4, "minute": 3, "second": 30}
